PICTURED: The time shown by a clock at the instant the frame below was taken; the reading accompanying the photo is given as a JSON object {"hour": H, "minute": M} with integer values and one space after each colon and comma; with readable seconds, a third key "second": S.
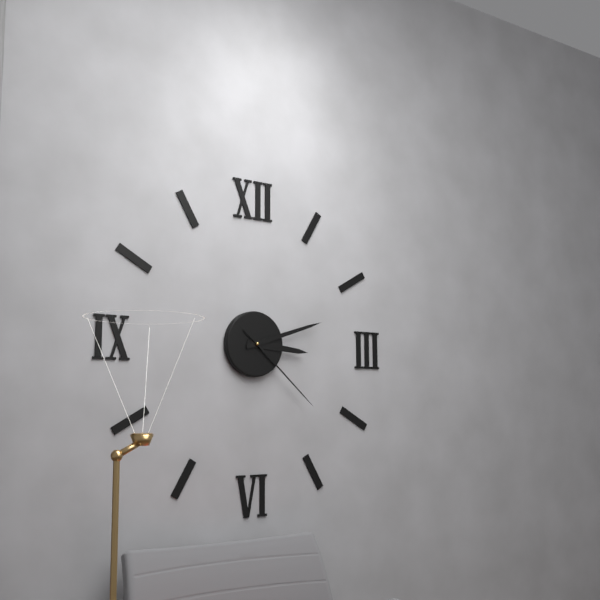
{"hour": 3, "minute": 12, "second": 22}
